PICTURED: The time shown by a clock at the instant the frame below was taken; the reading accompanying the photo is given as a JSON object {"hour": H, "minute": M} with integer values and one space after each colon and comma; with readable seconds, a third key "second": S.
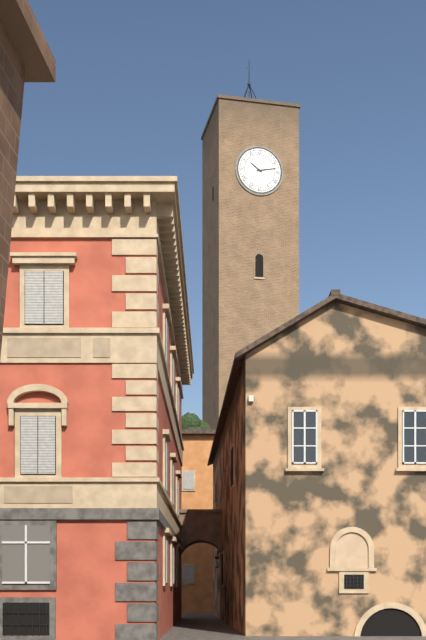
{"hour": 10, "minute": 13}
